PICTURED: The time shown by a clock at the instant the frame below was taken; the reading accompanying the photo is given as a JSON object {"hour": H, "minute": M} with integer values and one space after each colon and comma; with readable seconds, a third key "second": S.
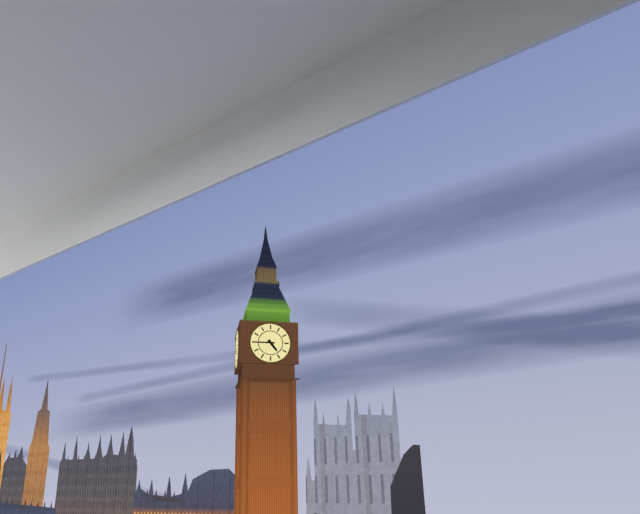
{"hour": 4, "minute": 45}
